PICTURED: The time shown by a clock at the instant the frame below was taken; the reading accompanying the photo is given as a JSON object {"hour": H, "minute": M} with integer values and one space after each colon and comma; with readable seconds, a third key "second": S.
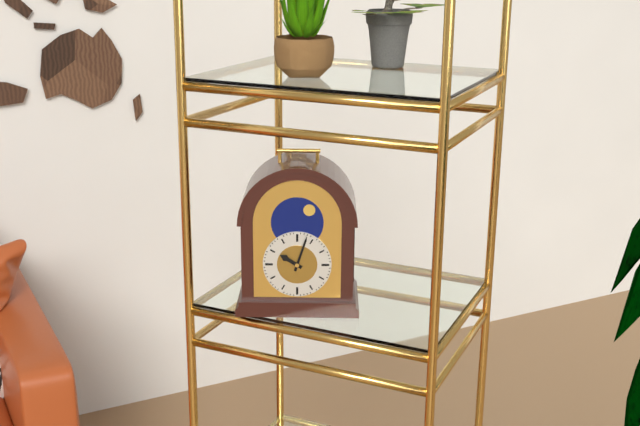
{"hour": 10, "minute": 3}
